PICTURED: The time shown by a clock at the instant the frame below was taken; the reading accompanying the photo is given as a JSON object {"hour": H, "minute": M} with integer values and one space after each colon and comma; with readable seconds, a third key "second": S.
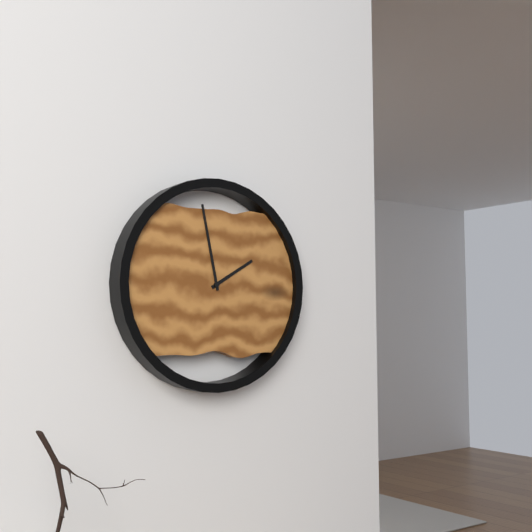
{"hour": 1, "minute": 58}
